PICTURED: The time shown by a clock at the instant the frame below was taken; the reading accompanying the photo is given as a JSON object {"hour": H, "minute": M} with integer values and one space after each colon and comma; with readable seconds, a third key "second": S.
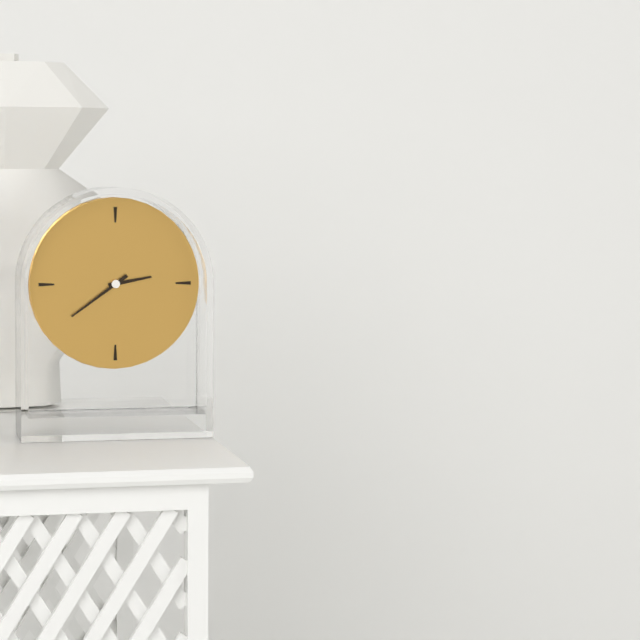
{"hour": 2, "minute": 39}
